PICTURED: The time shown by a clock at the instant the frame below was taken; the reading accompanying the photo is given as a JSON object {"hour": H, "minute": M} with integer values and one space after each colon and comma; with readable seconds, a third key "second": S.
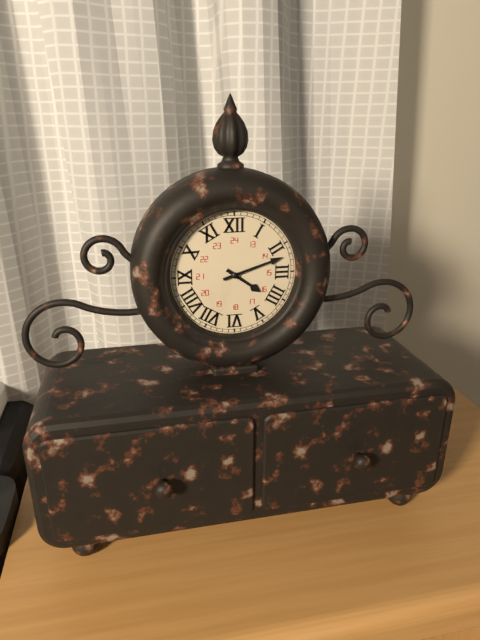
{"hour": 4, "minute": 12}
